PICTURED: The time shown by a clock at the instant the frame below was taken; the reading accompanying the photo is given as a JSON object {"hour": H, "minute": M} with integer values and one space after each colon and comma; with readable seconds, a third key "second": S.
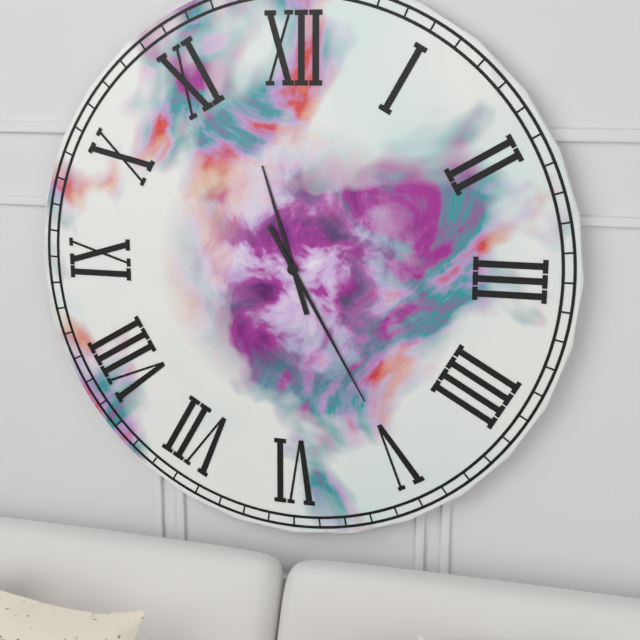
{"hour": 11, "minute": 25}
